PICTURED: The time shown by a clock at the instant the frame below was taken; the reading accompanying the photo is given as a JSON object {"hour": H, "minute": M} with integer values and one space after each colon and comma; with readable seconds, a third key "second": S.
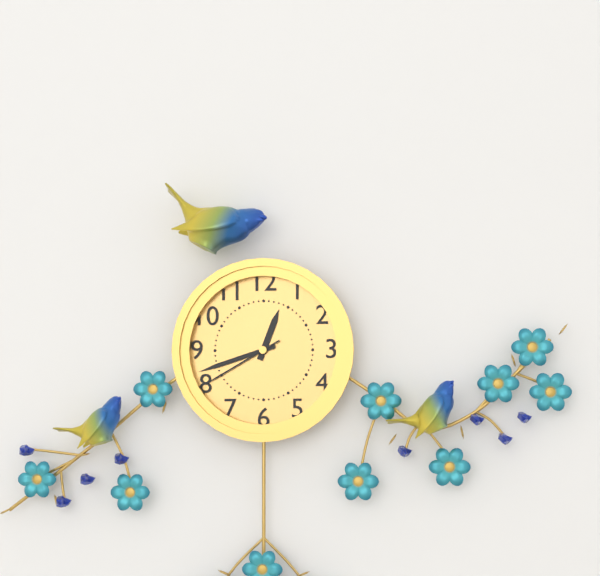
{"hour": 12, "minute": 42, "second": 40}
